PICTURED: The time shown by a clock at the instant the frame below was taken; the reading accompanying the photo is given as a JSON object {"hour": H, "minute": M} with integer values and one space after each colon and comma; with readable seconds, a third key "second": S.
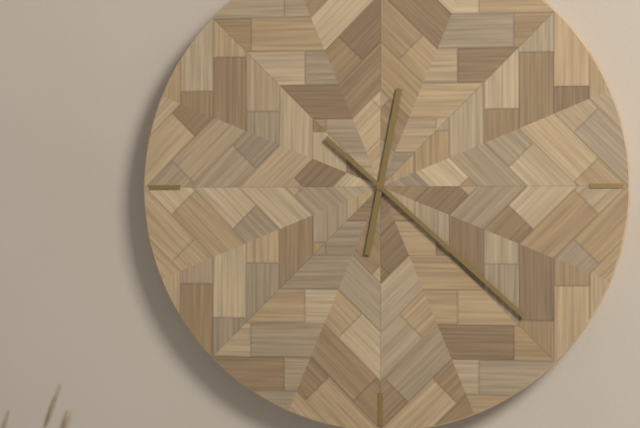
{"hour": 12, "minute": 22}
